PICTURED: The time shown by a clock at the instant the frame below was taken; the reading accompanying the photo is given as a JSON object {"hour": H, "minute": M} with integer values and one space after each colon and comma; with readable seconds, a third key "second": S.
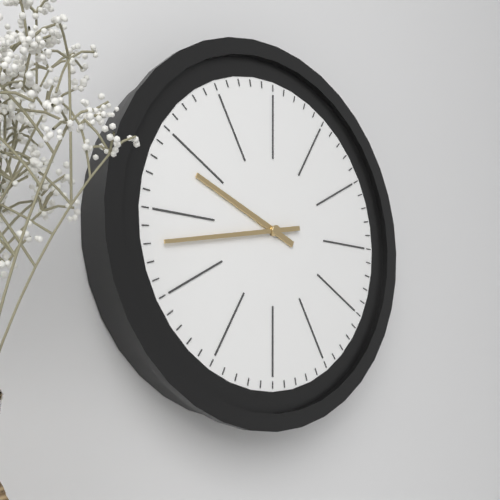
{"hour": 9, "minute": 43}
